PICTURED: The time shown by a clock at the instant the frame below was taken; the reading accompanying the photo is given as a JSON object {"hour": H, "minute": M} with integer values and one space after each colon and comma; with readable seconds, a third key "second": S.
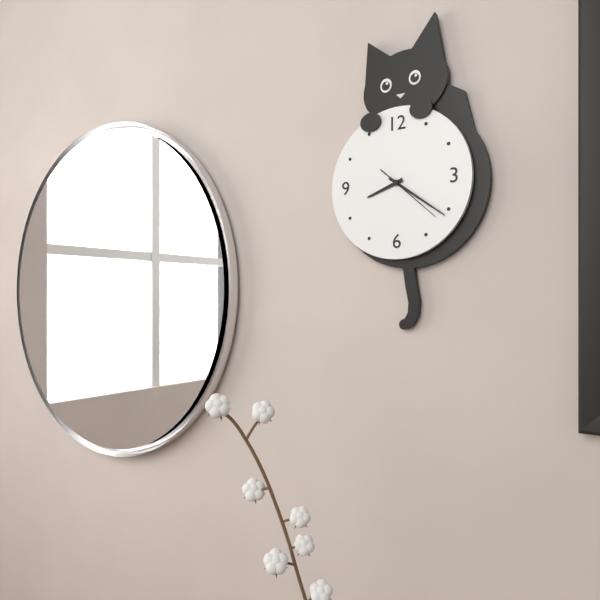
{"hour": 8, "minute": 21, "second": 22}
